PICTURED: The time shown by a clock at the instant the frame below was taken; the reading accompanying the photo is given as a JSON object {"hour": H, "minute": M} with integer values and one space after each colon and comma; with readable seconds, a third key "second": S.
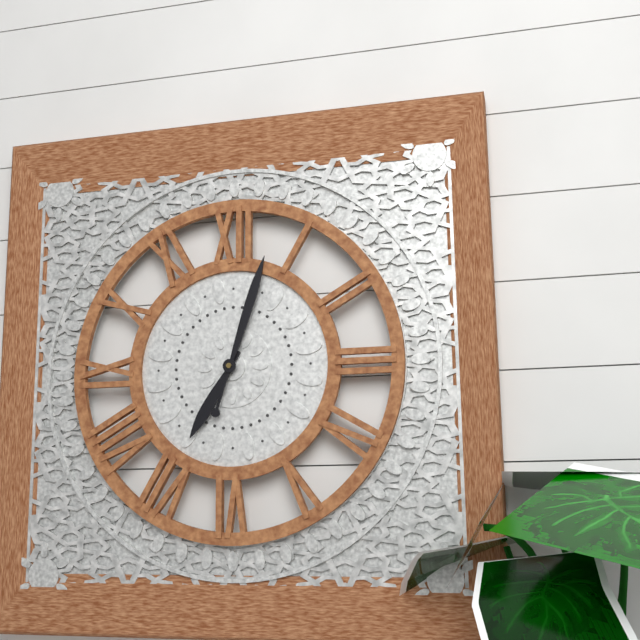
{"hour": 7, "minute": 3}
